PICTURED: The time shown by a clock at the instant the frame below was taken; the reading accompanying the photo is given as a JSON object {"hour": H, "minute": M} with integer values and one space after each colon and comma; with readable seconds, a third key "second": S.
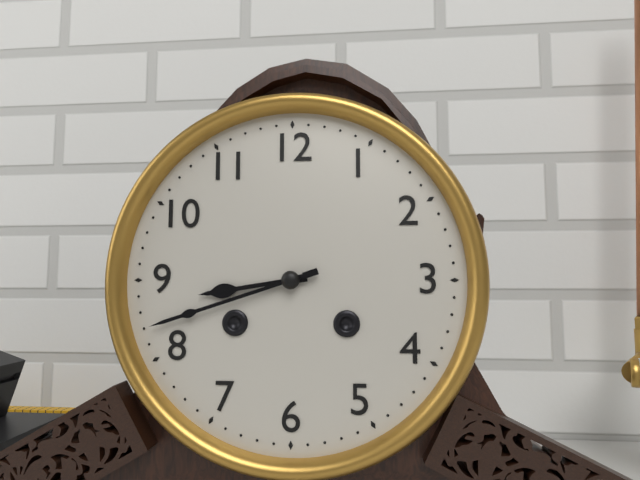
{"hour": 8, "minute": 42}
